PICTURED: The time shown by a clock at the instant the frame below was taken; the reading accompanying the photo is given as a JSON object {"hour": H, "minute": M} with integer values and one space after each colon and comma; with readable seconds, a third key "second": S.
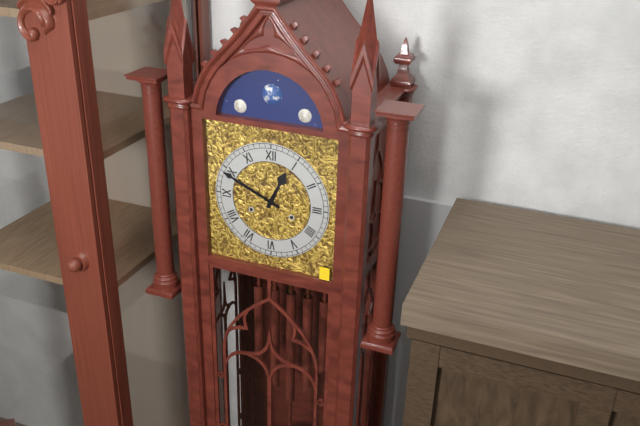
{"hour": 12, "minute": 49}
